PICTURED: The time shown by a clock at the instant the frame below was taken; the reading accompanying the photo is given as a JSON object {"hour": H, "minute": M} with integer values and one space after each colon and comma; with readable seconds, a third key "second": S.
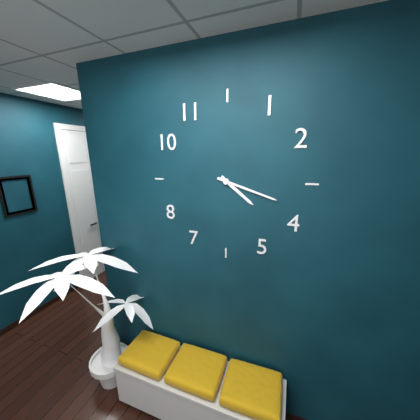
{"hour": 4, "minute": 18}
